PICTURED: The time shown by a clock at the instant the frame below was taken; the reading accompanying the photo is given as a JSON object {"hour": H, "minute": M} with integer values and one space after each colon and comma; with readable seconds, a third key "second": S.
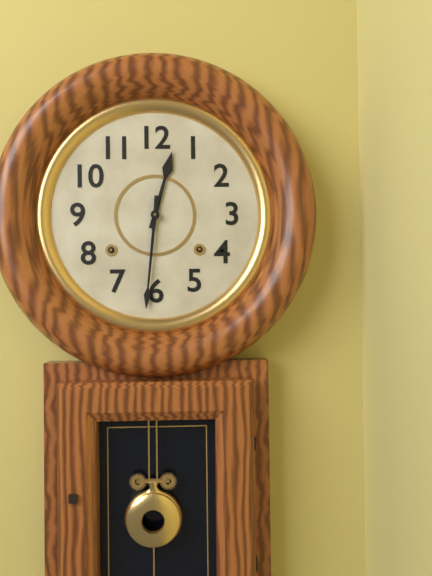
{"hour": 12, "minute": 31}
